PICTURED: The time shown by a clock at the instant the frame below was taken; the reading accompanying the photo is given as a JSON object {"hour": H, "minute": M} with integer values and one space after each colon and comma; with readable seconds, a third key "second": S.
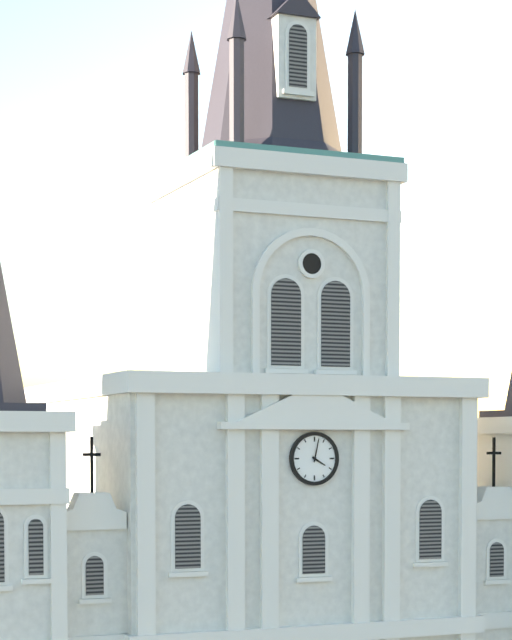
{"hour": 4, "minute": 2}
